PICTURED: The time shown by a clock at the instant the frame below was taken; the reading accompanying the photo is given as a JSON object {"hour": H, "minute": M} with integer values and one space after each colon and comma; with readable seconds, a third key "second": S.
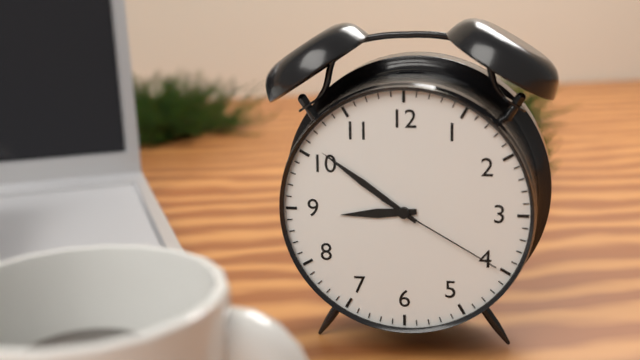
{"hour": 8, "minute": 51, "second": 20}
